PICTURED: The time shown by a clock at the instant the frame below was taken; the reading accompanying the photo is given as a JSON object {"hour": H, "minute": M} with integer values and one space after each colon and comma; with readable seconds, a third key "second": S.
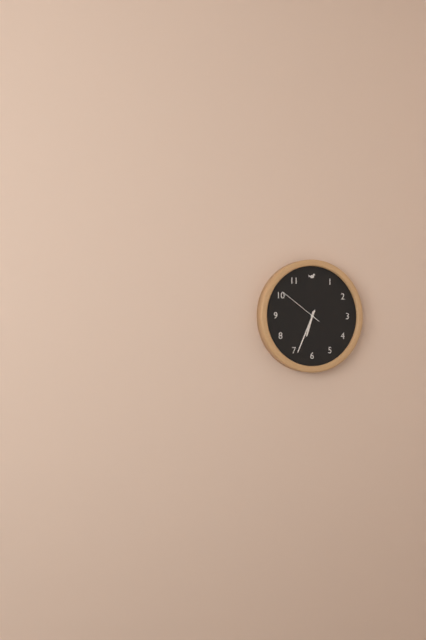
{"hour": 6, "minute": 34}
